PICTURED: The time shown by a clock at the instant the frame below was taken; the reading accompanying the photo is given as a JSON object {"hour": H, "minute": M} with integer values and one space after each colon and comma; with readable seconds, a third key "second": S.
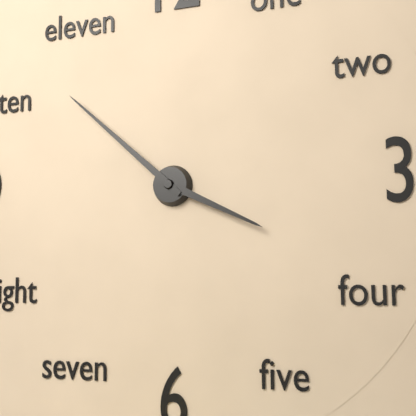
{"hour": 3, "minute": 52}
